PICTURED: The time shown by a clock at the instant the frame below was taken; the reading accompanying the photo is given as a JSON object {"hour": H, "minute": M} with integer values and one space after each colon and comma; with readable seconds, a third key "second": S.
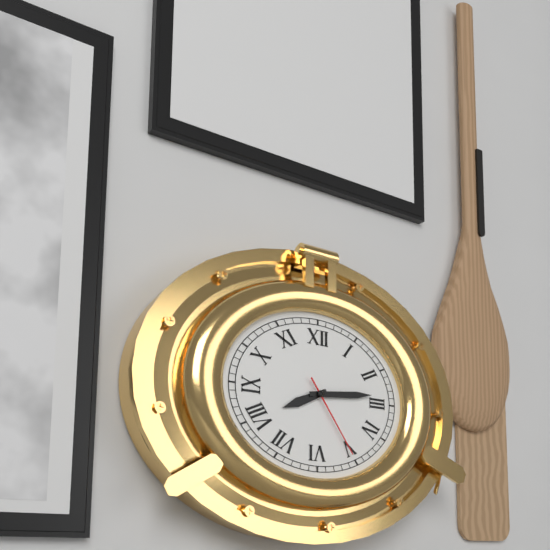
{"hour": 8, "minute": 14, "second": 24}
